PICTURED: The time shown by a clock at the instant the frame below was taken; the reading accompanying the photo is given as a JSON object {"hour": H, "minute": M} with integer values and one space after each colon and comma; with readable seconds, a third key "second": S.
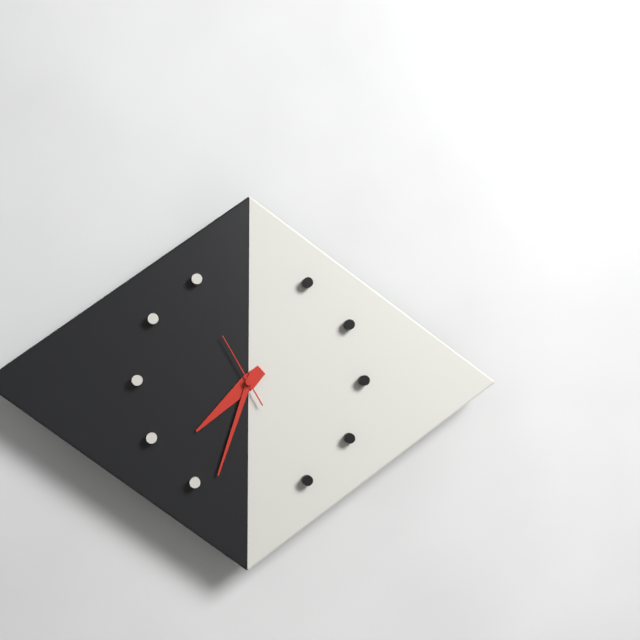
{"hour": 7, "minute": 33, "second": 55}
